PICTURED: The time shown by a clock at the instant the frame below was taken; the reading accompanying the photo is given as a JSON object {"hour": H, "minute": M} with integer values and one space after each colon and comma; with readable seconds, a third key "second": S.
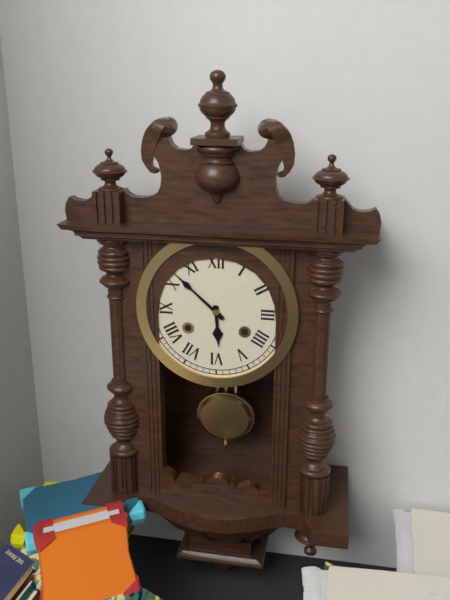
{"hour": 5, "minute": 52}
